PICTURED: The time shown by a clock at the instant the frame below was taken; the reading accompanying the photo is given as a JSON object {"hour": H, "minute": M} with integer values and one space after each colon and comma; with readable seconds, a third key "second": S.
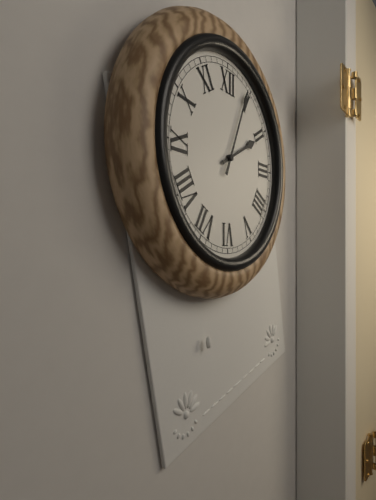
{"hour": 2, "minute": 4}
